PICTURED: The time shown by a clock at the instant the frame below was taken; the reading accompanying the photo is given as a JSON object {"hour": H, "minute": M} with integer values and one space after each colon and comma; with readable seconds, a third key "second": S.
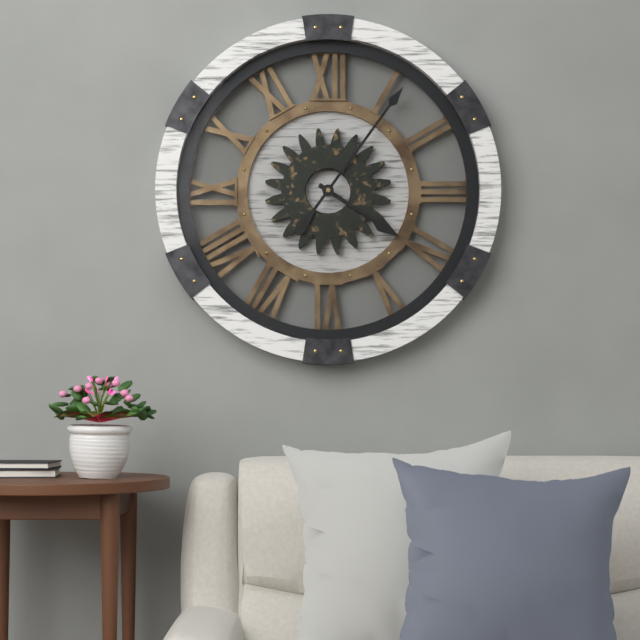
{"hour": 4, "minute": 6}
